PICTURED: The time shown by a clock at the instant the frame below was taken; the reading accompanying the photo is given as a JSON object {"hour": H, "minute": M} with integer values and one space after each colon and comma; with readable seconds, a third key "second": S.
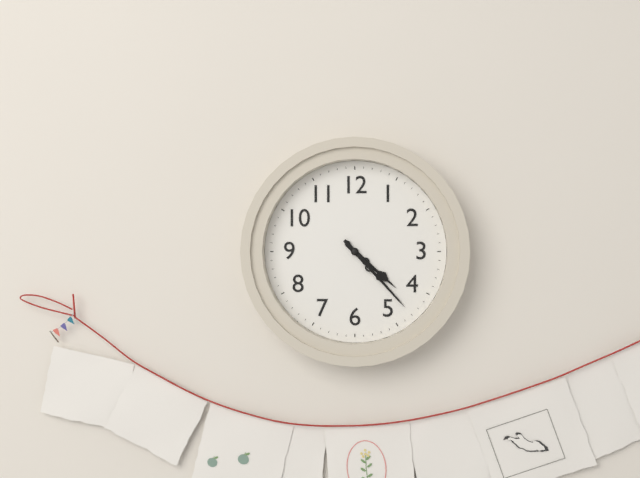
{"hour": 4, "minute": 23}
